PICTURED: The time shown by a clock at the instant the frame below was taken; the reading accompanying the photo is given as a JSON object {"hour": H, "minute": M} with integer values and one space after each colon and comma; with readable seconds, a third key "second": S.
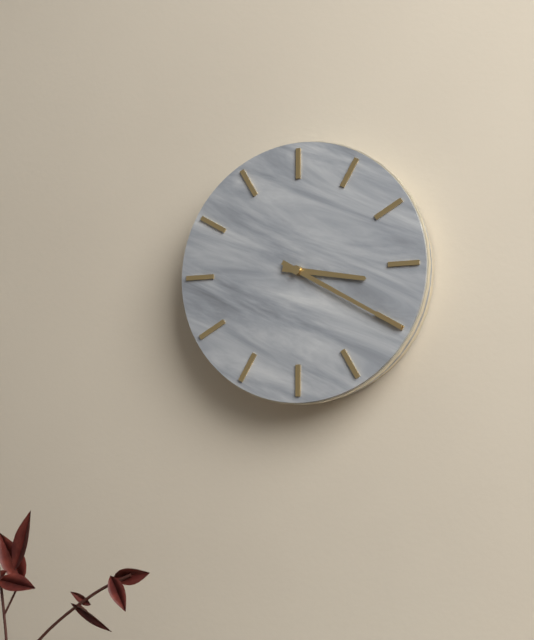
{"hour": 3, "minute": 20}
